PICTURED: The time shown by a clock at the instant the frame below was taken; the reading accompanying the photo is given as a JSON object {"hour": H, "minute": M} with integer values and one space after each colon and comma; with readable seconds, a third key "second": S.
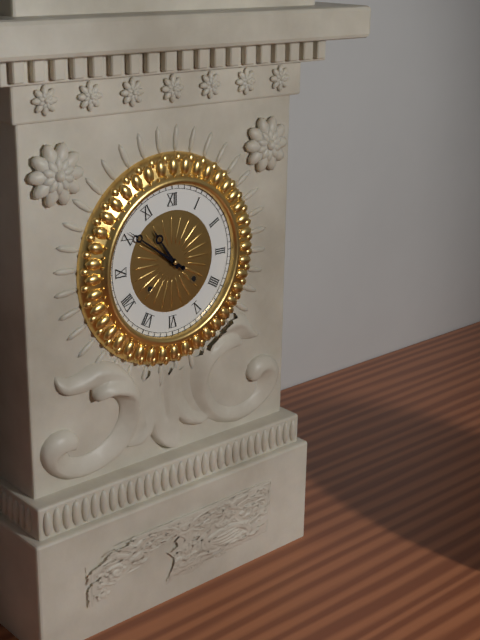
{"hour": 10, "minute": 51}
